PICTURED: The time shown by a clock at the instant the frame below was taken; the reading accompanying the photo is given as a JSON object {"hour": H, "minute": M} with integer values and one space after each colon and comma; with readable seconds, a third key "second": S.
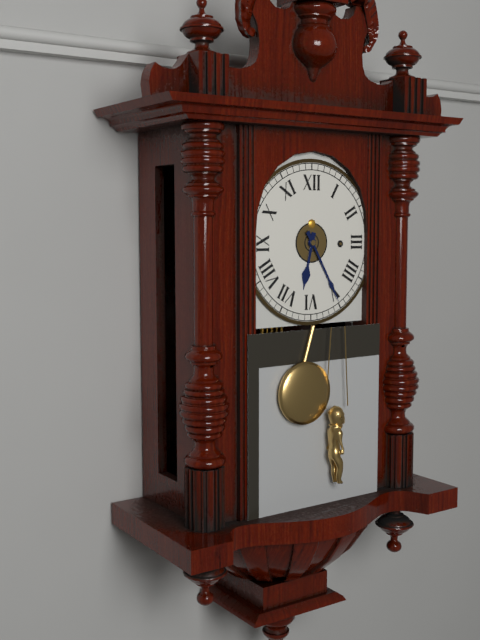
{"hour": 6, "minute": 25}
